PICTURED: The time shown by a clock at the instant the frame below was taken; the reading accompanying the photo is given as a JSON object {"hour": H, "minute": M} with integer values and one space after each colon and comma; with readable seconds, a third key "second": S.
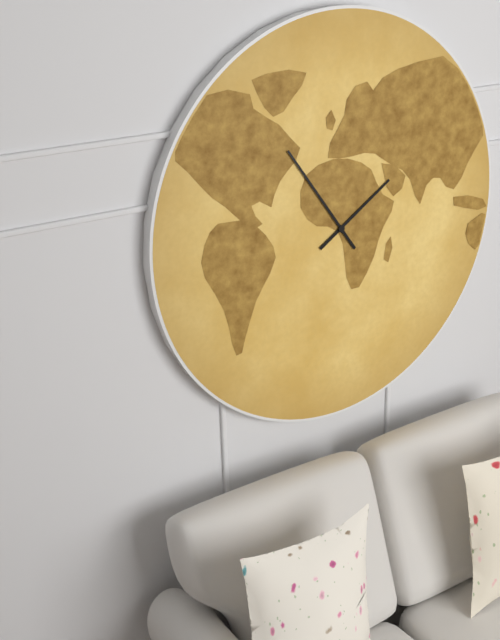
{"hour": 1, "minute": 54}
